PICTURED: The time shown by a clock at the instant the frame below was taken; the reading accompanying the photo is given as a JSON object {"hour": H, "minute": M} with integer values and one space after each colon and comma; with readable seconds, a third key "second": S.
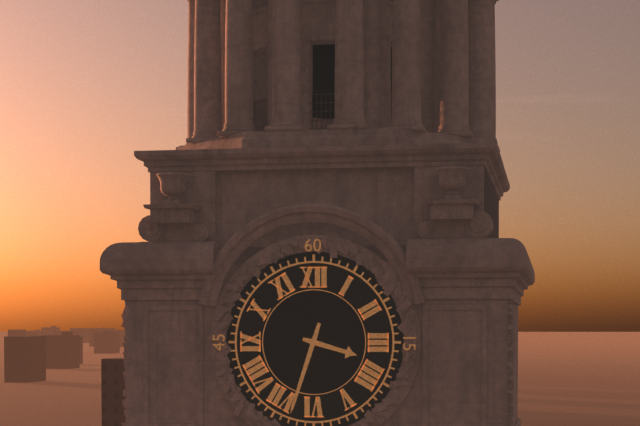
{"hour": 3, "minute": 33}
